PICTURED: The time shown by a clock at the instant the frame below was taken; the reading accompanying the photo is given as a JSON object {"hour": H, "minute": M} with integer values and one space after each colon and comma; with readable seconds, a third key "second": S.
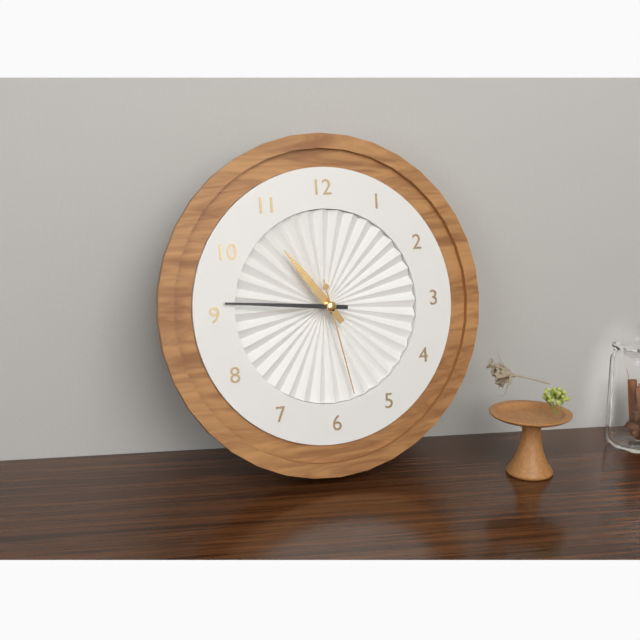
{"hour": 10, "minute": 46, "second": 28}
